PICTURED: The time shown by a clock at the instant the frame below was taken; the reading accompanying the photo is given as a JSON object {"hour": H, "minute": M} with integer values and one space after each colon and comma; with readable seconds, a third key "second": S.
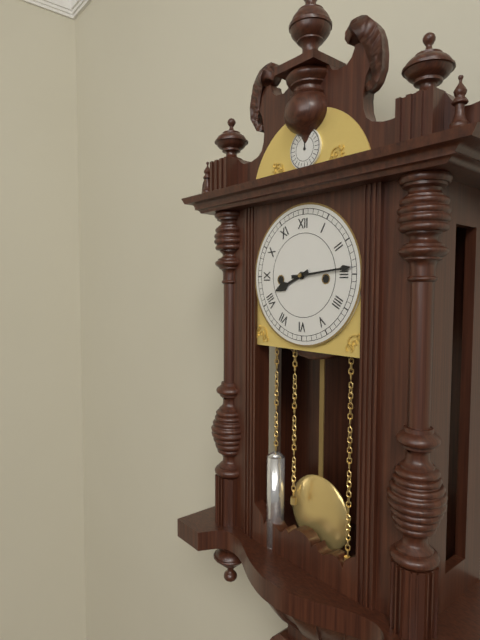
{"hour": 8, "minute": 14}
